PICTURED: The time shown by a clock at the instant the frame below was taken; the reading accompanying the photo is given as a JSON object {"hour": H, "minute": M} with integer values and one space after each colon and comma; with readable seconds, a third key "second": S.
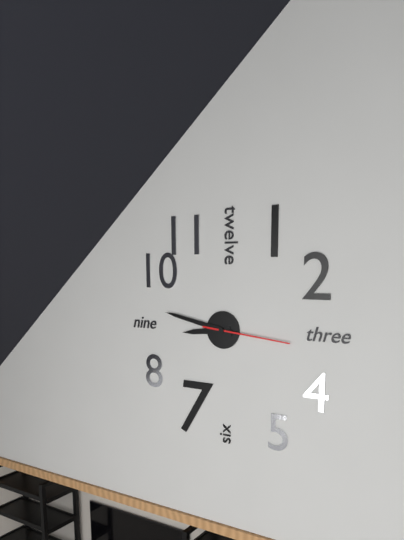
{"hour": 8, "minute": 47, "second": 16}
